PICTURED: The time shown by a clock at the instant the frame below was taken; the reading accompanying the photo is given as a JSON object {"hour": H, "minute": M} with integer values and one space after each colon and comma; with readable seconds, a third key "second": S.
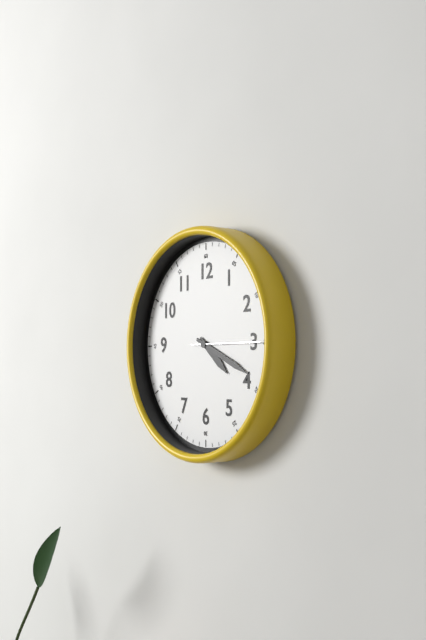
{"hour": 4, "minute": 19, "second": 15}
